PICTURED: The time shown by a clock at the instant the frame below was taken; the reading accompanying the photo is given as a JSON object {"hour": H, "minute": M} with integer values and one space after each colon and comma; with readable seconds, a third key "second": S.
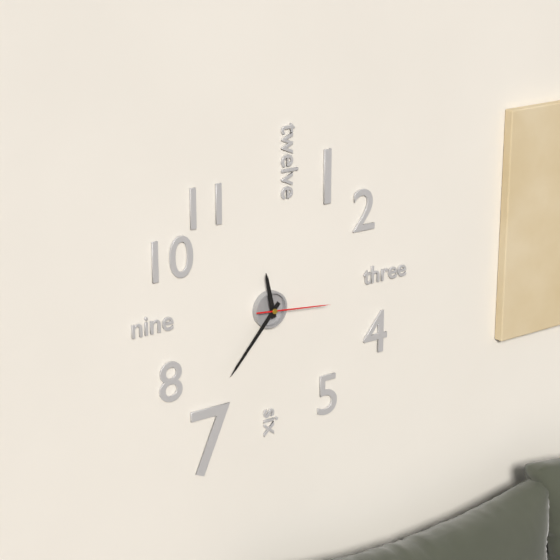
{"hour": 11, "minute": 37, "second": 16}
